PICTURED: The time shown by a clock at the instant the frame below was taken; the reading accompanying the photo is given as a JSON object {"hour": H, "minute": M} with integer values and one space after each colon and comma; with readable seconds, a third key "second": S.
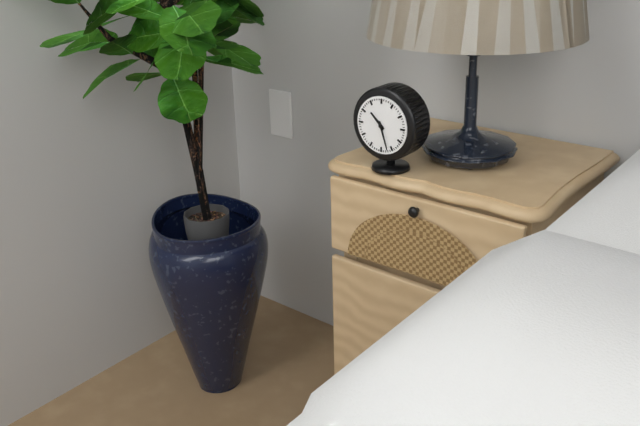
{"hour": 10, "minute": 27}
